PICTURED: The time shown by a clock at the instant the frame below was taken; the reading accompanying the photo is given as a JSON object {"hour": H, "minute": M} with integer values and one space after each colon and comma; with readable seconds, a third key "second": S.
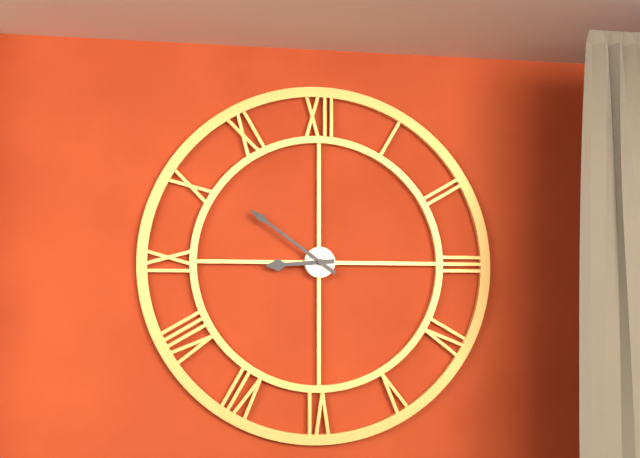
{"hour": 8, "minute": 51}
